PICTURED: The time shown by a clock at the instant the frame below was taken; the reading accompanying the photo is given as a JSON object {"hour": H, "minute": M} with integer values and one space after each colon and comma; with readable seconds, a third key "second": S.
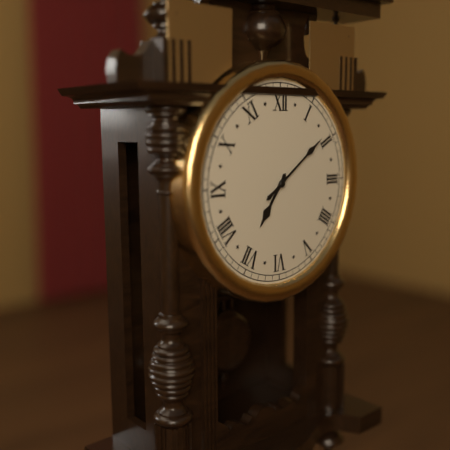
{"hour": 7, "minute": 9}
